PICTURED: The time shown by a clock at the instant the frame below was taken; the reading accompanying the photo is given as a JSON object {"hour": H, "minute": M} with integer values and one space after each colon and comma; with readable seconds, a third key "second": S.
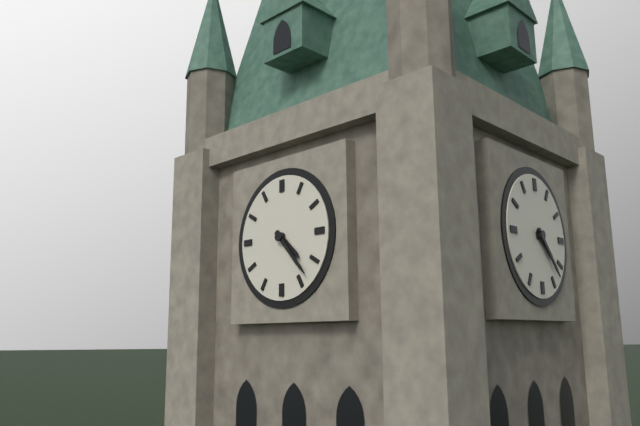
{"hour": 4, "minute": 23}
